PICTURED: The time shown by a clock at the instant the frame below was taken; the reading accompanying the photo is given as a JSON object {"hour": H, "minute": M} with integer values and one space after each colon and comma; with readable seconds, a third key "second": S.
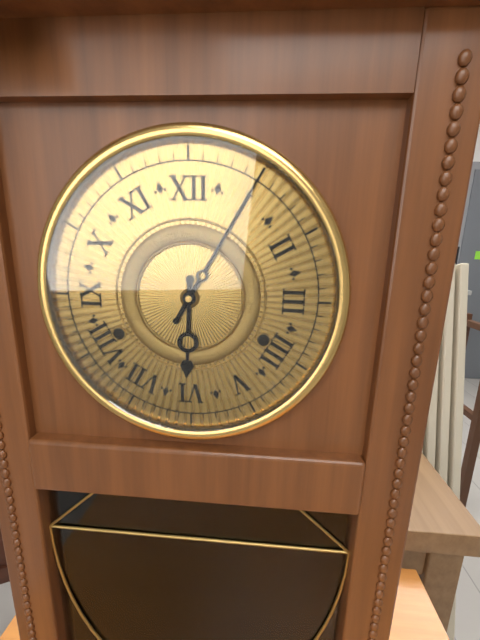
{"hour": 6, "minute": 5}
